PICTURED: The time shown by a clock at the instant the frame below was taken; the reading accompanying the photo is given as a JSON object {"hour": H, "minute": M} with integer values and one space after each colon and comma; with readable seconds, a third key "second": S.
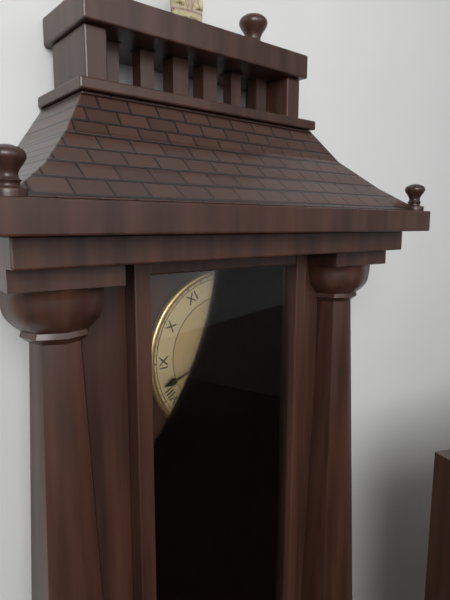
{"hour": 12, "minute": 42}
